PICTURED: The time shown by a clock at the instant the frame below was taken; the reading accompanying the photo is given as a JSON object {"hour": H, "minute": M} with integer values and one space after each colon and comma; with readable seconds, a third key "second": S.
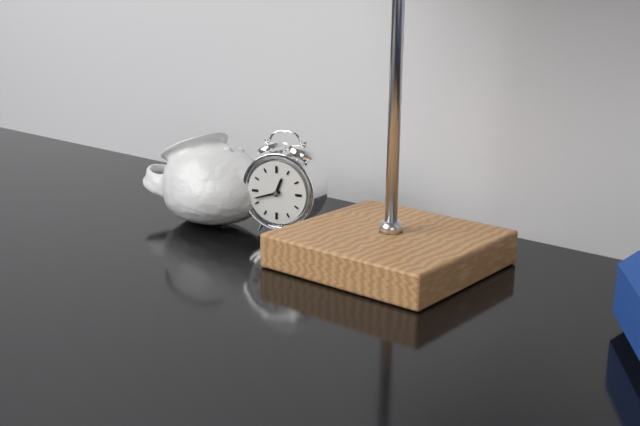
{"hour": 12, "minute": 42}
